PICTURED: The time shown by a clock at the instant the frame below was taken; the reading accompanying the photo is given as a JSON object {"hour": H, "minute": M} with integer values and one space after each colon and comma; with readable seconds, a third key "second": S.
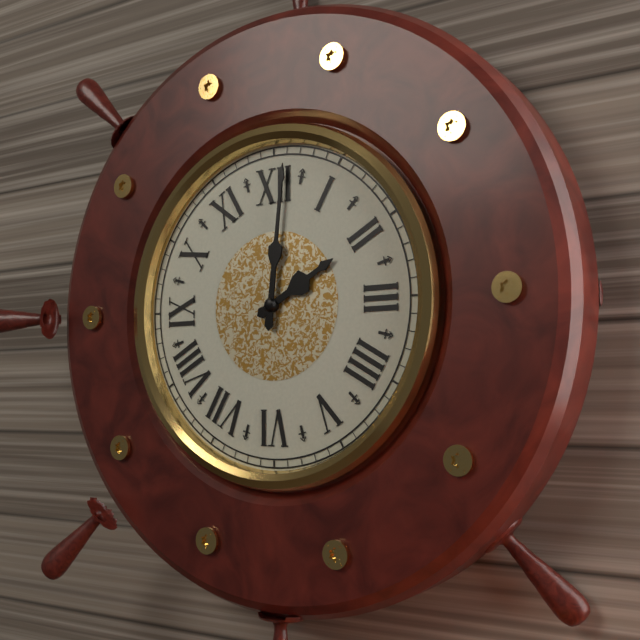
{"hour": 2, "minute": 1}
